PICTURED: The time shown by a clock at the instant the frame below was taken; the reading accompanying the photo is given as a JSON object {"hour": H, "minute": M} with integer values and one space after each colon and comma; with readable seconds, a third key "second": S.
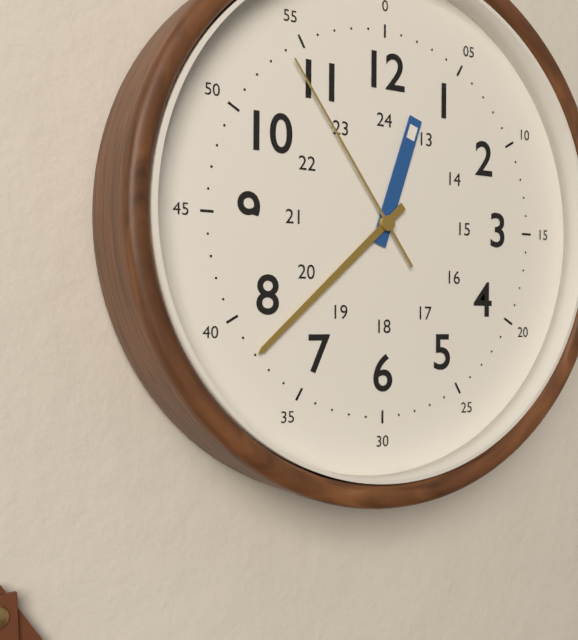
{"hour": 12, "minute": 38, "second": 54}
